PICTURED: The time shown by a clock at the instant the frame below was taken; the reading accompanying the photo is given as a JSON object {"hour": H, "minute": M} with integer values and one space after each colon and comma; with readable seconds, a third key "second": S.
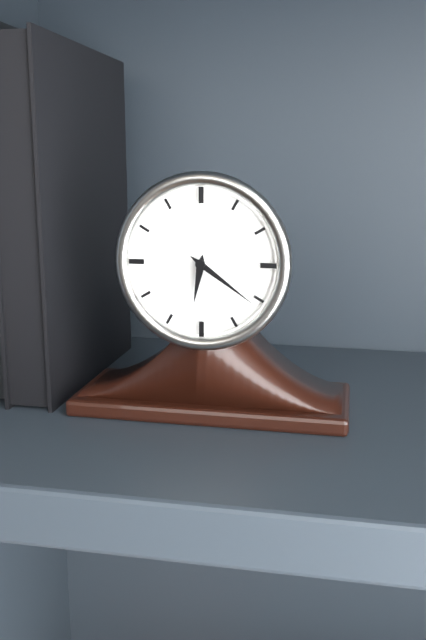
{"hour": 6, "minute": 21}
